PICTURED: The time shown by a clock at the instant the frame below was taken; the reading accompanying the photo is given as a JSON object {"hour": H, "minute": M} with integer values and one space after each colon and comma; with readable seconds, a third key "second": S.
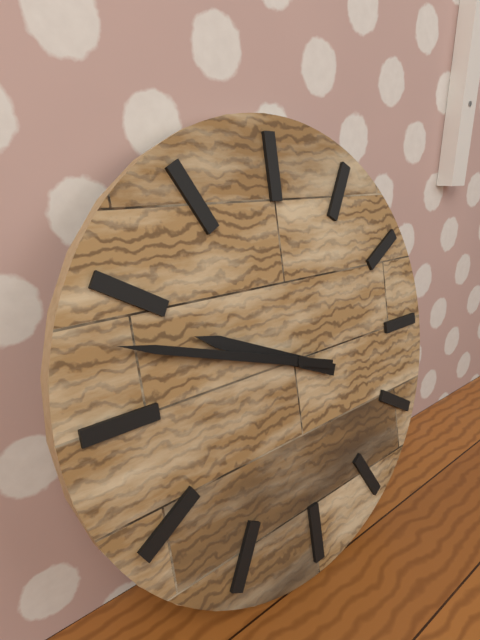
{"hour": 9, "minute": 48}
